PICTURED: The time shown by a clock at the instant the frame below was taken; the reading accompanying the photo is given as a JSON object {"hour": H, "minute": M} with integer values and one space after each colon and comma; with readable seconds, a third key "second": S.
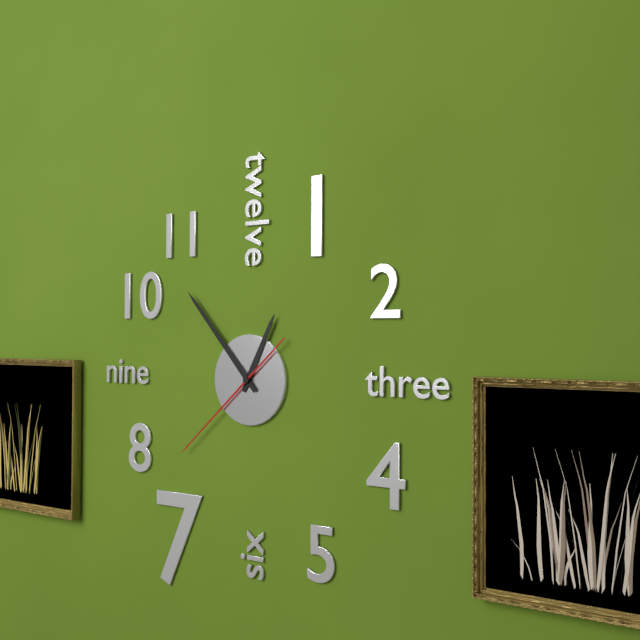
{"hour": 12, "minute": 53, "second": 38}
